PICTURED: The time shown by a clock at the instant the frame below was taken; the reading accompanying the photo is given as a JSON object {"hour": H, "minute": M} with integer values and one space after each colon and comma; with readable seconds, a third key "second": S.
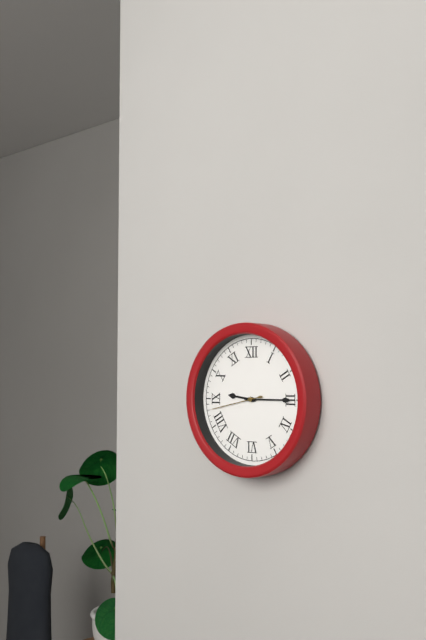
{"hour": 9, "minute": 15, "second": 43}
